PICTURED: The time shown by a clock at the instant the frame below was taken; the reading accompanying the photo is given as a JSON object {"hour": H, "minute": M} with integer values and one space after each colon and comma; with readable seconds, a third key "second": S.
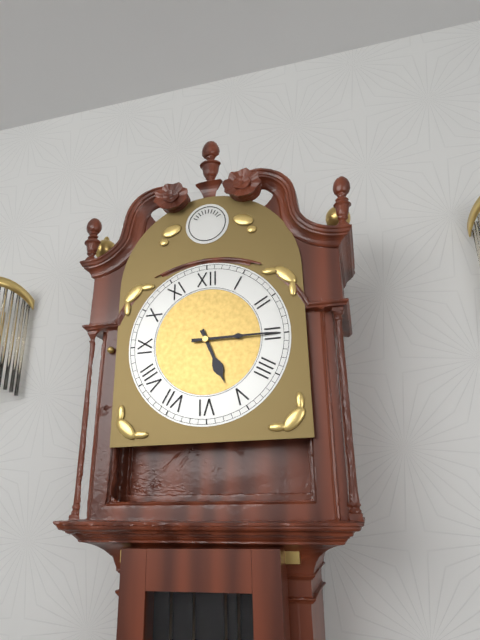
{"hour": 5, "minute": 15}
